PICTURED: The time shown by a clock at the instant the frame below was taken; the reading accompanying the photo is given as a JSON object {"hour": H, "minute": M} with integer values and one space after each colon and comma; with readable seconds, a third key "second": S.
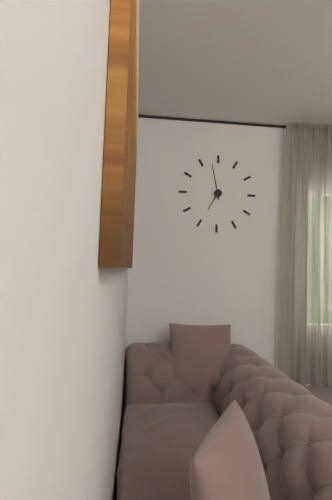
{"hour": 6, "minute": 58}
